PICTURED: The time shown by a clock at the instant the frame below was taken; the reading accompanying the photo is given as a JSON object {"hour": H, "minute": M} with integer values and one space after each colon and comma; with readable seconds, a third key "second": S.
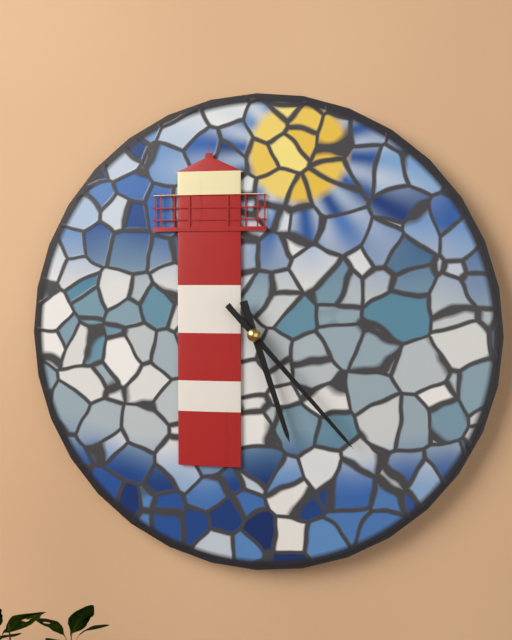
{"hour": 5, "minute": 23}
